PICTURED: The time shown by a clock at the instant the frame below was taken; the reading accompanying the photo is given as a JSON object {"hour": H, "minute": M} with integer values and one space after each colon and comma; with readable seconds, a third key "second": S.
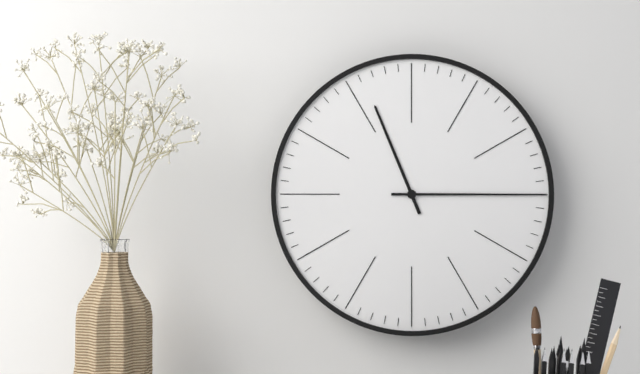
{"hour": 11, "minute": 15}
